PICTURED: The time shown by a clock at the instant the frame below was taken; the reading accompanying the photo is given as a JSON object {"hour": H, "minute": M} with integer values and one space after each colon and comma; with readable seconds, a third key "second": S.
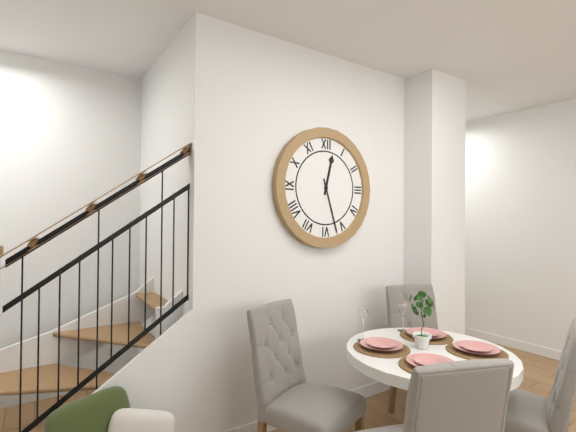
{"hour": 12, "minute": 27}
